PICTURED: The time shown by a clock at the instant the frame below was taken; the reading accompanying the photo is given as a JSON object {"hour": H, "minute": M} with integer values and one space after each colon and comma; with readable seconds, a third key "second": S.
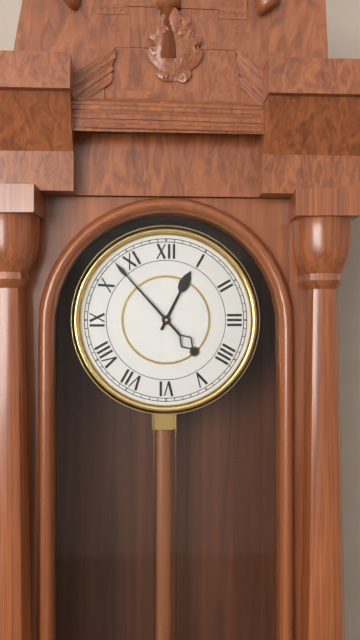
{"hour": 12, "minute": 53}
